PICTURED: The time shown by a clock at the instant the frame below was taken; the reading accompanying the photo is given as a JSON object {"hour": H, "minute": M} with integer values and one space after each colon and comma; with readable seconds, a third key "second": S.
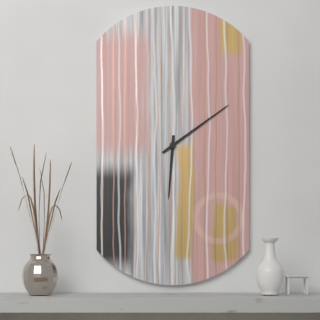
{"hour": 6, "minute": 9}
